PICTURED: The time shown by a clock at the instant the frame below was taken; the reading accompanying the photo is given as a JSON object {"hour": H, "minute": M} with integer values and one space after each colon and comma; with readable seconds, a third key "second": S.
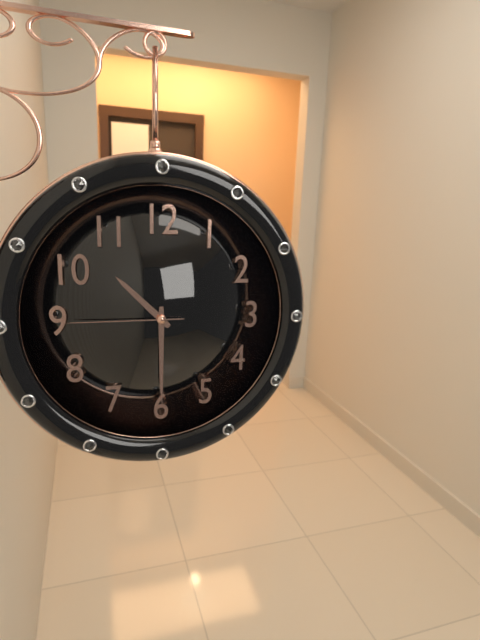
{"hour": 10, "minute": 30, "second": 45}
